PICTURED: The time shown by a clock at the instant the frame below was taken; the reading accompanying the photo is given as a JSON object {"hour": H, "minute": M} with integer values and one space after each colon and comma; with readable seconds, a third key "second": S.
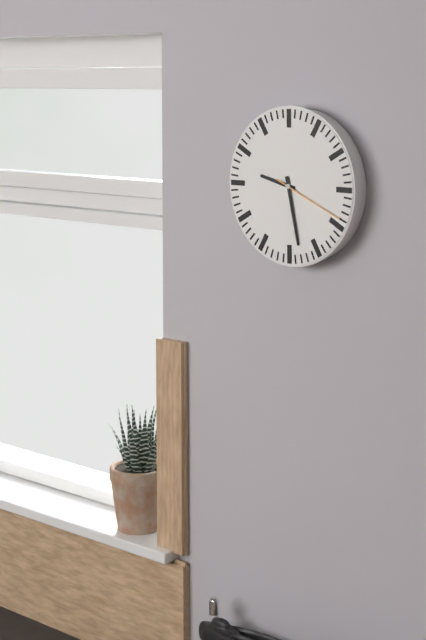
{"hour": 9, "minute": 28, "second": 19}
